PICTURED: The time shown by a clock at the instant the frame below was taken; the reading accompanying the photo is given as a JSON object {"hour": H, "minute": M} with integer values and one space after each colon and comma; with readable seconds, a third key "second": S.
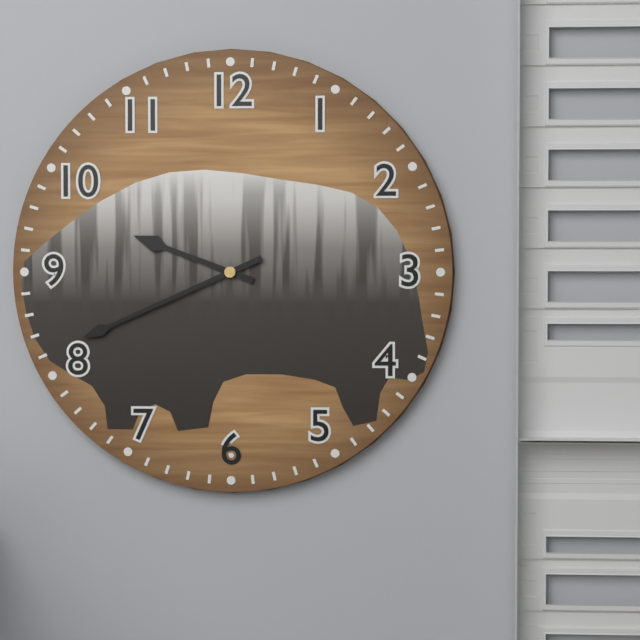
{"hour": 9, "minute": 41}
